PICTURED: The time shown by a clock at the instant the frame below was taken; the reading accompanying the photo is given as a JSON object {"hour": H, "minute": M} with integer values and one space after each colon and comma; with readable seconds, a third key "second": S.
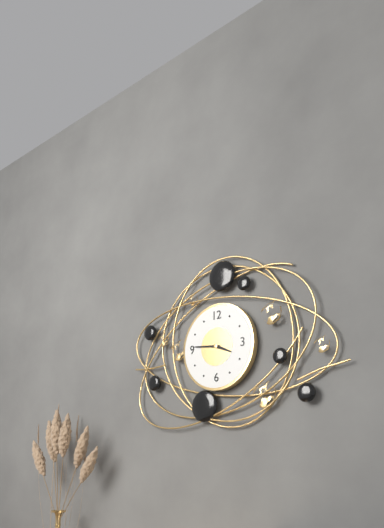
{"hour": 3, "minute": 46}
